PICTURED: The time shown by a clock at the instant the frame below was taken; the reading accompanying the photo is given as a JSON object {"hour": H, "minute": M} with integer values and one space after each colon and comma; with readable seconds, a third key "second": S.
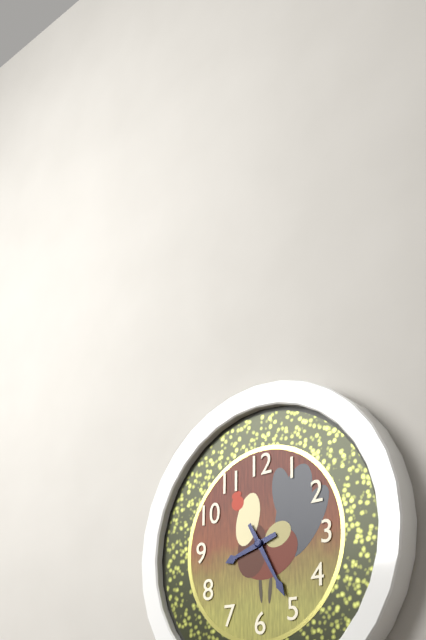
{"hour": 8, "minute": 25}
